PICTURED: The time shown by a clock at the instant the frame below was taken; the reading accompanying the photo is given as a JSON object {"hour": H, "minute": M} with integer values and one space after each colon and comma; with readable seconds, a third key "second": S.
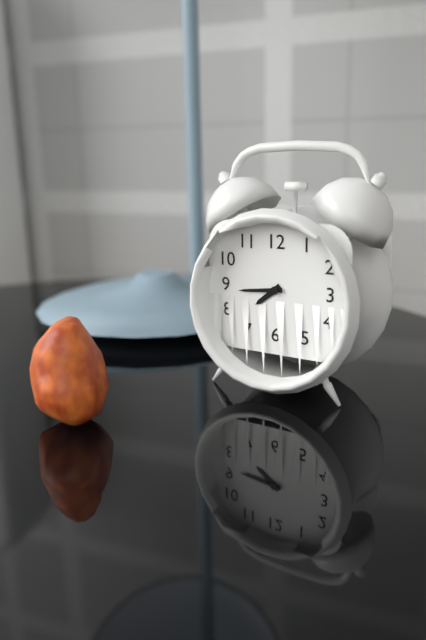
{"hour": 7, "minute": 44}
